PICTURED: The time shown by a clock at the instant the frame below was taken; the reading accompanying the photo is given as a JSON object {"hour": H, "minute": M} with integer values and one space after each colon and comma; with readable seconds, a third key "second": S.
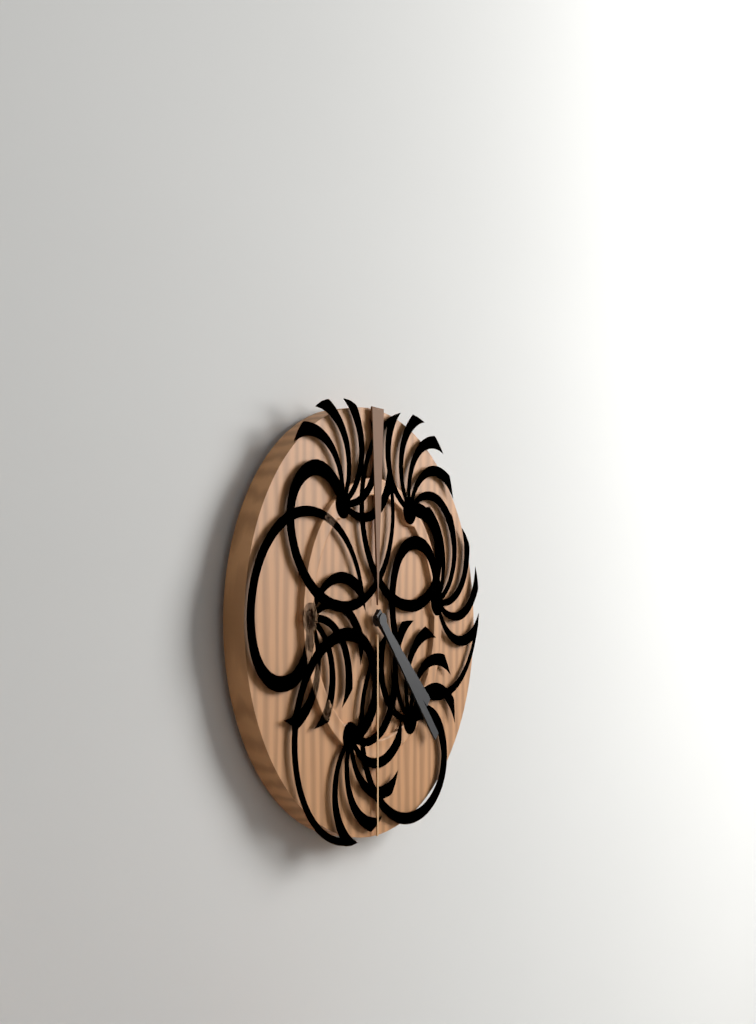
{"hour": 4, "minute": 23}
